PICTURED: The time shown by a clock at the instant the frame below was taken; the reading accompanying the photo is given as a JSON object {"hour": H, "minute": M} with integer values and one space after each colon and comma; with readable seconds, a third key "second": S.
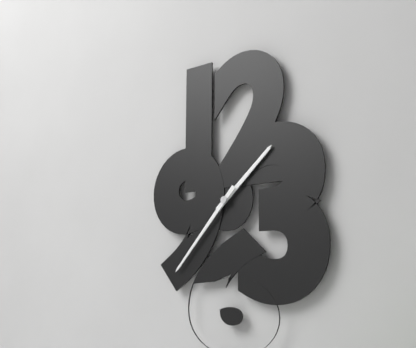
{"hour": 1, "minute": 37}
